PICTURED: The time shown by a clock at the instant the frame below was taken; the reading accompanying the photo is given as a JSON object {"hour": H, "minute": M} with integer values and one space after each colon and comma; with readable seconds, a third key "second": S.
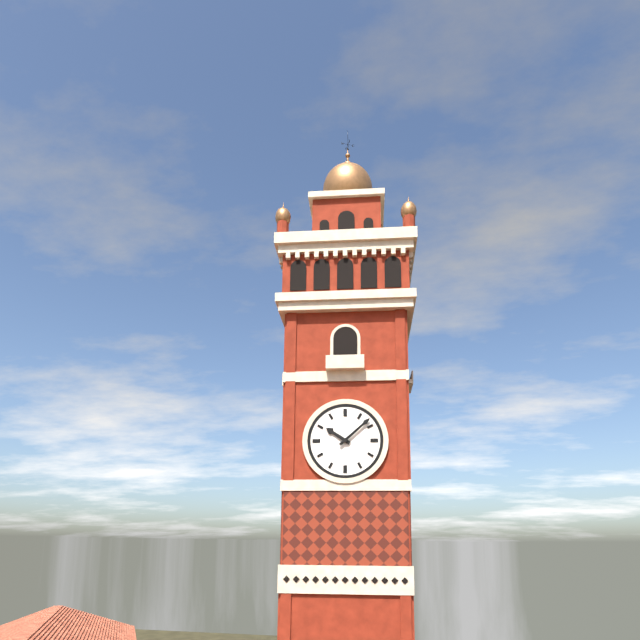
{"hour": 10, "minute": 8}
